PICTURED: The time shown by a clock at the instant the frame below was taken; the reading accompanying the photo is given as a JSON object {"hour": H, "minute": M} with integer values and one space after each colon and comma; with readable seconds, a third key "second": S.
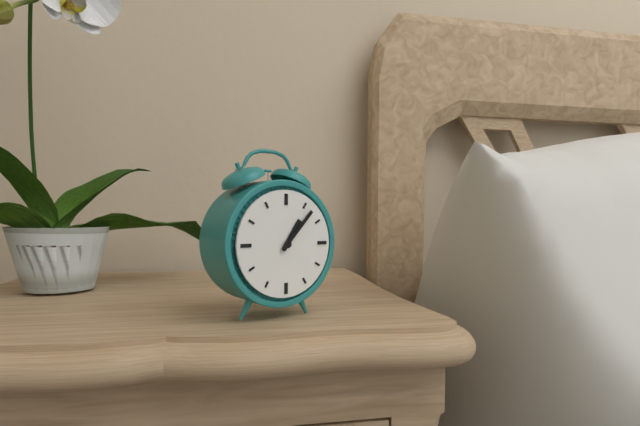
{"hour": 1, "minute": 7}
